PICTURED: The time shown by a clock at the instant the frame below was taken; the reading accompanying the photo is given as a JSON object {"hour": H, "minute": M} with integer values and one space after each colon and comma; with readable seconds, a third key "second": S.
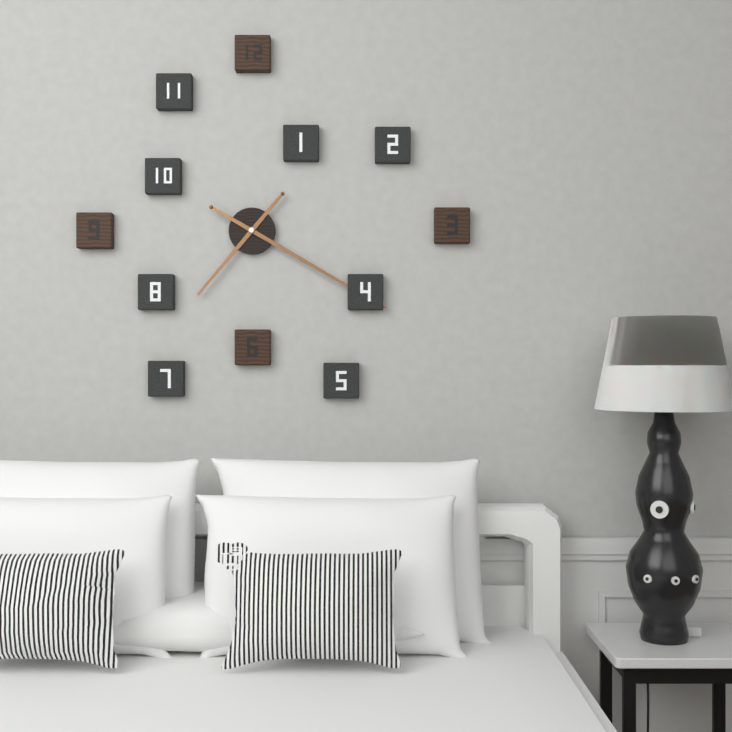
{"hour": 7, "minute": 20}
